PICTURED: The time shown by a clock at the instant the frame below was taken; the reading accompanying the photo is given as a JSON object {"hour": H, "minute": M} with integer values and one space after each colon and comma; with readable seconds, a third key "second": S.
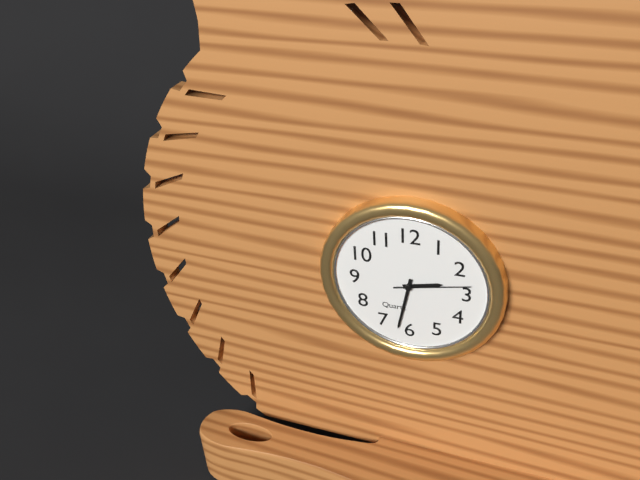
{"hour": 2, "minute": 32, "second": 13}
